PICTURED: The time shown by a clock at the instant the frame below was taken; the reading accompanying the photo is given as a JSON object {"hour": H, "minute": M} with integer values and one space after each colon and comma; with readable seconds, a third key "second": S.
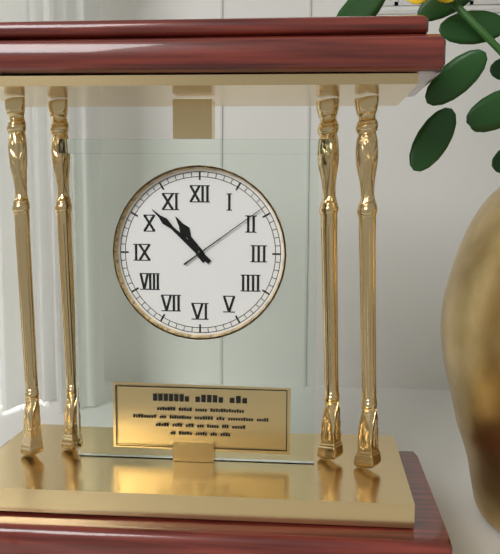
{"hour": 10, "minute": 52, "second": 9}
